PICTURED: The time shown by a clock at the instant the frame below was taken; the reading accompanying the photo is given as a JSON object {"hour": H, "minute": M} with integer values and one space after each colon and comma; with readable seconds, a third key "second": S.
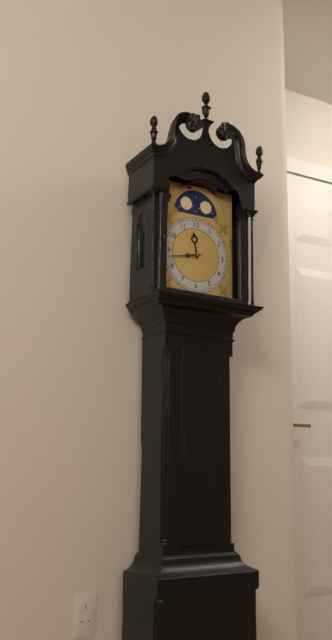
{"hour": 11, "minute": 43}
